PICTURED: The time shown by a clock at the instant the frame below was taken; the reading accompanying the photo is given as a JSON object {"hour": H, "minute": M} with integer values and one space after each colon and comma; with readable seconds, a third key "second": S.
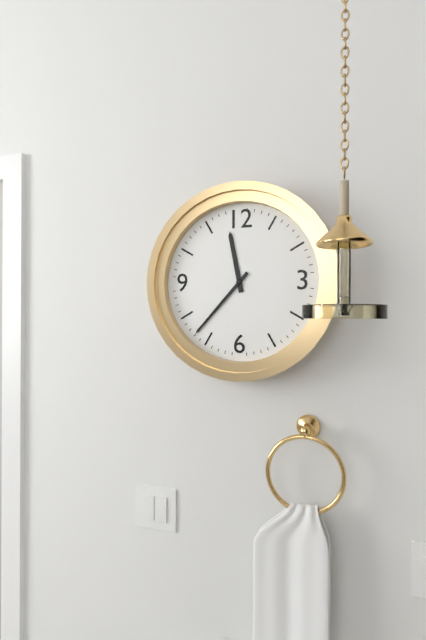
{"hour": 11, "minute": 37}
